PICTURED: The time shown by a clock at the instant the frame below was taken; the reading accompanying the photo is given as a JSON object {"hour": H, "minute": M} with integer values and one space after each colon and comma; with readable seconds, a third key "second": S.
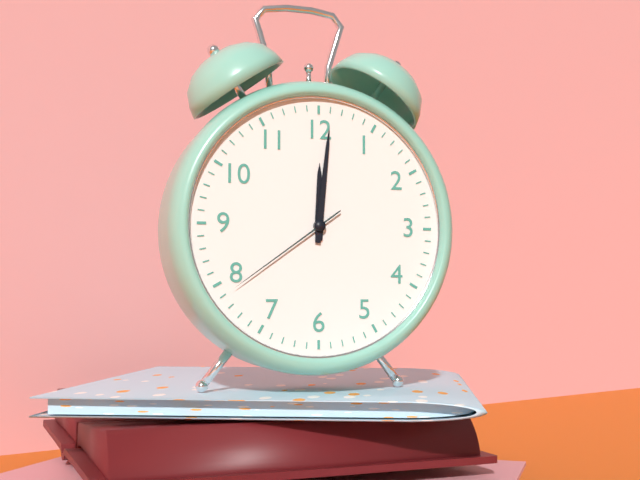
{"hour": 12, "minute": 1, "second": 39}
